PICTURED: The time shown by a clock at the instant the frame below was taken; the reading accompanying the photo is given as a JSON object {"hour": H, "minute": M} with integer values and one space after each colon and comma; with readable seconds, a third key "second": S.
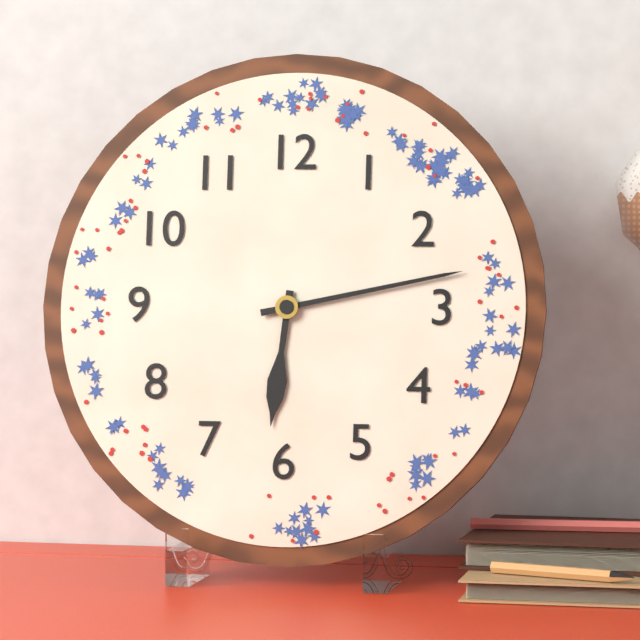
{"hour": 6, "minute": 13}
